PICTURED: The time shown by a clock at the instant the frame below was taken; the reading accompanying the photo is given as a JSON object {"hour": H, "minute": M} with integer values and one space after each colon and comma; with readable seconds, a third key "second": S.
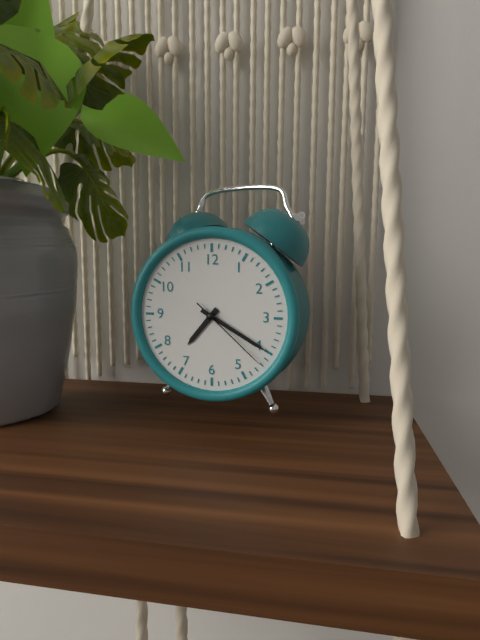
{"hour": 7, "minute": 20, "second": 22}
